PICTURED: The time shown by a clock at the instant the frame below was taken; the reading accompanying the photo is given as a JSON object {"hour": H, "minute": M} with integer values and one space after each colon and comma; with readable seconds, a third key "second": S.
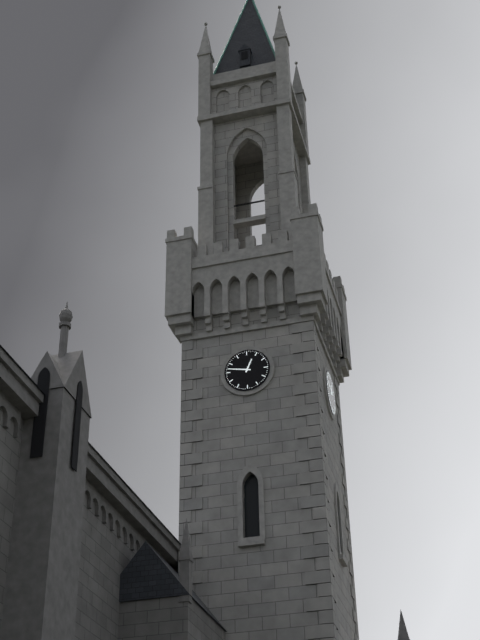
{"hour": 12, "minute": 47}
